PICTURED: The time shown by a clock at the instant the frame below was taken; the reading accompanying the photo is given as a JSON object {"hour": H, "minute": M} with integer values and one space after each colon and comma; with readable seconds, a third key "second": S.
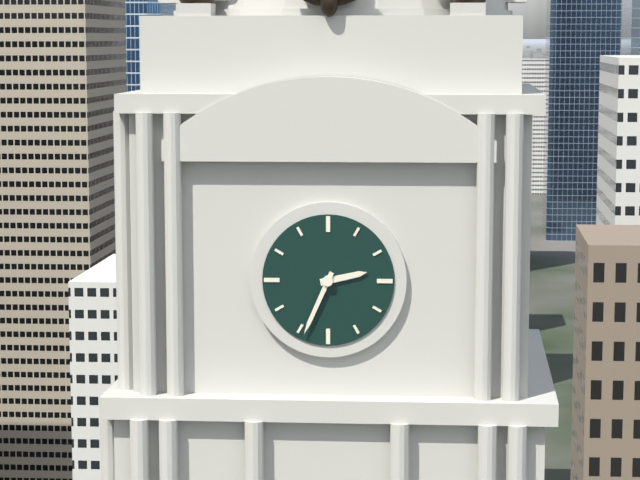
{"hour": 2, "minute": 34}
